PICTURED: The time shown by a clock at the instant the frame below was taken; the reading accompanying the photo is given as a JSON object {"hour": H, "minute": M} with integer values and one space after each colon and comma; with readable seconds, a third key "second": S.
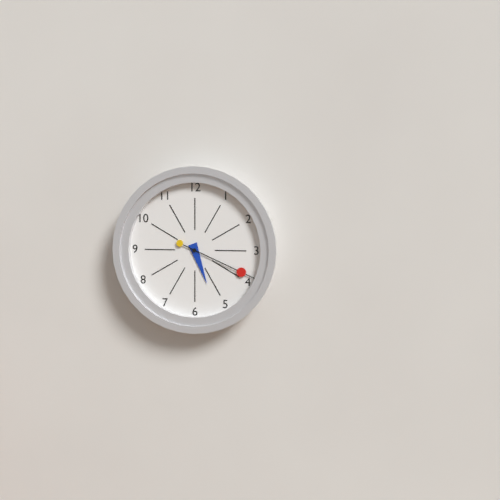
{"hour": 5, "minute": 19}
